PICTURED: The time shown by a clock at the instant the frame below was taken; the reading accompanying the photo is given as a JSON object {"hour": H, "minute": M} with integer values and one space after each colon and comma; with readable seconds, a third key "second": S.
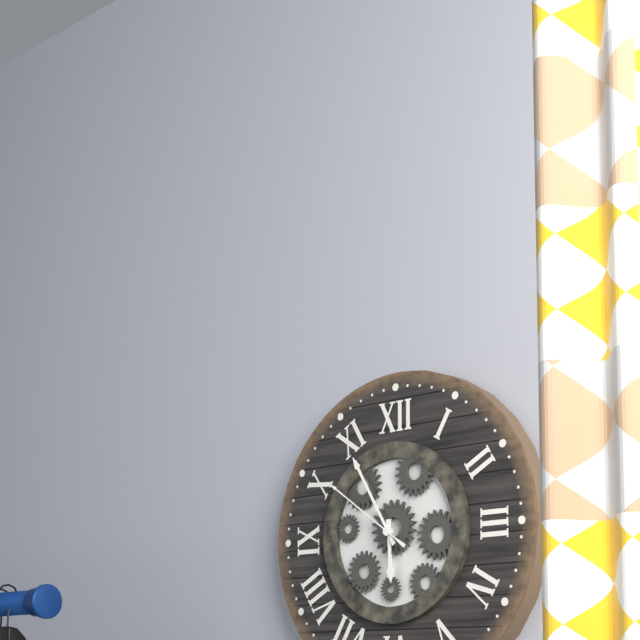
{"hour": 5, "minute": 55, "second": 51}
